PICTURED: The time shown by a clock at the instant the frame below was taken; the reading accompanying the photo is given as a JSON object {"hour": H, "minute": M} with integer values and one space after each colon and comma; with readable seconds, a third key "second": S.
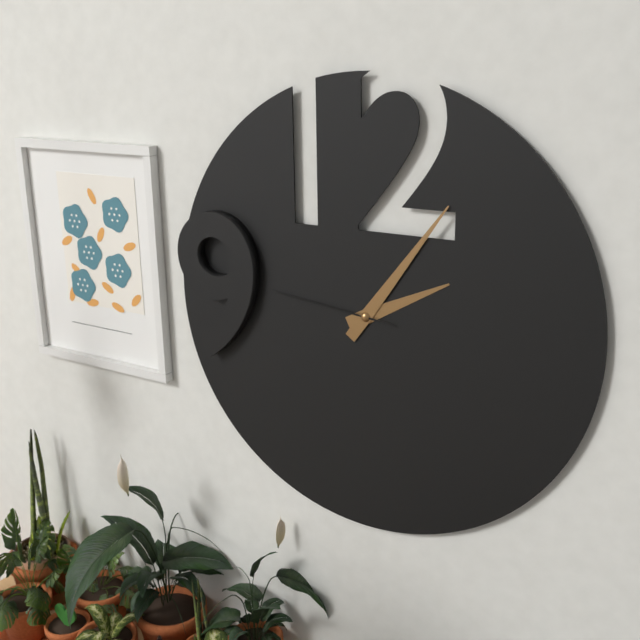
{"hour": 2, "minute": 6, "second": 46}
